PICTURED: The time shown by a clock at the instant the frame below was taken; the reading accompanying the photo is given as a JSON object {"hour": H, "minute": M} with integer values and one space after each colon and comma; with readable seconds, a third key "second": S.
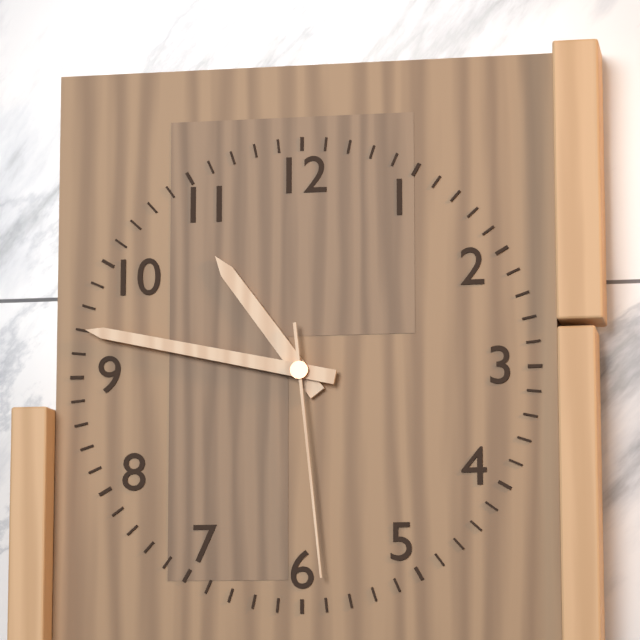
{"hour": 10, "minute": 47, "second": 29}
